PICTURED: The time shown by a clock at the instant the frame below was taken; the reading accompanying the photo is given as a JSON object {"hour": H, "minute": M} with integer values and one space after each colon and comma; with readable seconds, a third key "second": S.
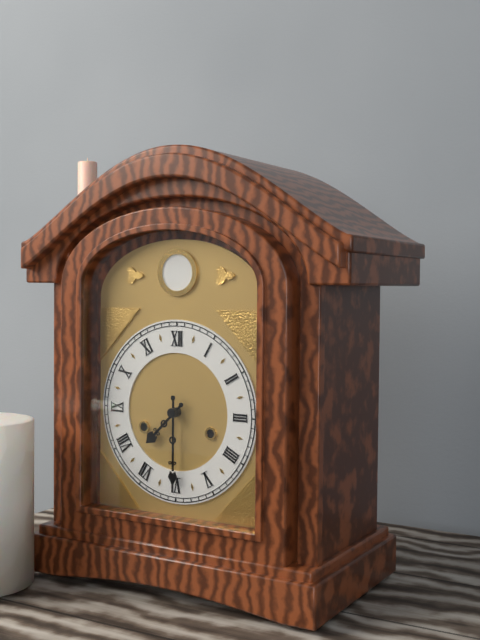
{"hour": 7, "minute": 30}
